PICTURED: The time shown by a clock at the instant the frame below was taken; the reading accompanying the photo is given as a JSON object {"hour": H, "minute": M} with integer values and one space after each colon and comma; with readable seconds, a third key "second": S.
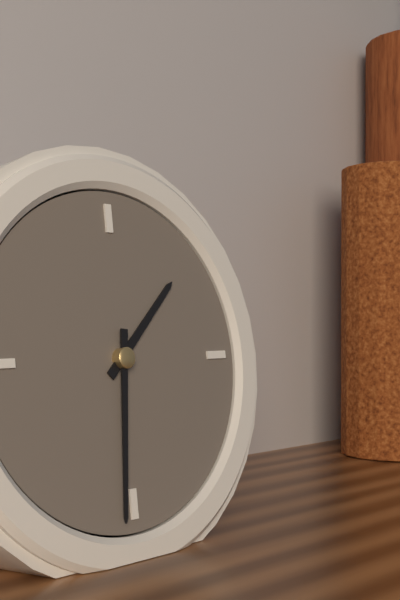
{"hour": 1, "minute": 31}
